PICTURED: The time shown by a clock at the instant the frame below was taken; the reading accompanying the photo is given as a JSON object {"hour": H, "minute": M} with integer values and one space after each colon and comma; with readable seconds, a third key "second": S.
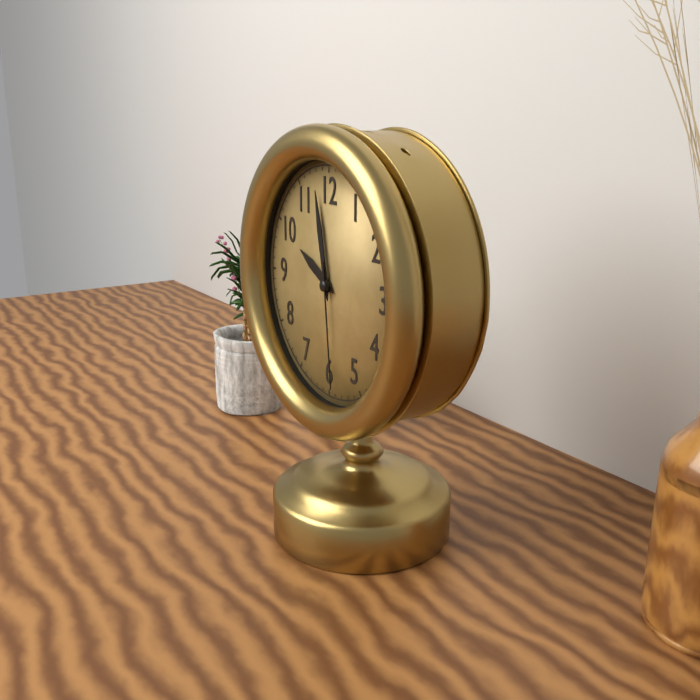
{"hour": 9, "minute": 58, "second": 29}
